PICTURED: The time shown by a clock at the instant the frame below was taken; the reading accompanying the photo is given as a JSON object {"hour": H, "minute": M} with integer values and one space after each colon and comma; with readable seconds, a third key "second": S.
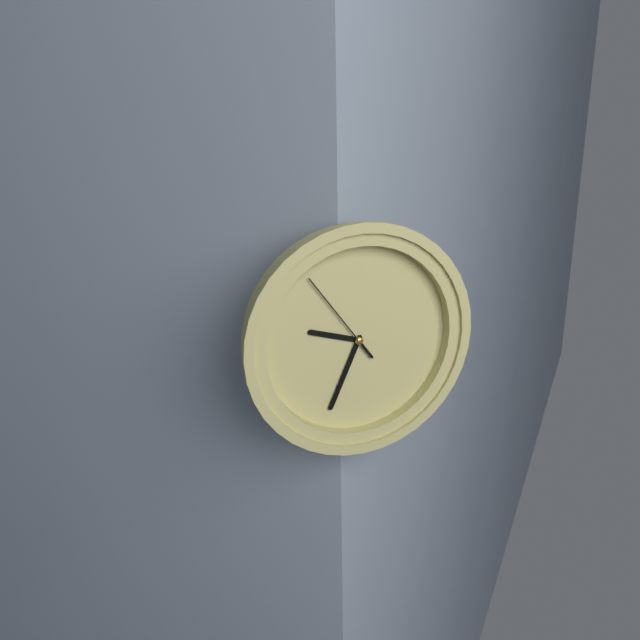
{"hour": 9, "minute": 34, "second": 54}
